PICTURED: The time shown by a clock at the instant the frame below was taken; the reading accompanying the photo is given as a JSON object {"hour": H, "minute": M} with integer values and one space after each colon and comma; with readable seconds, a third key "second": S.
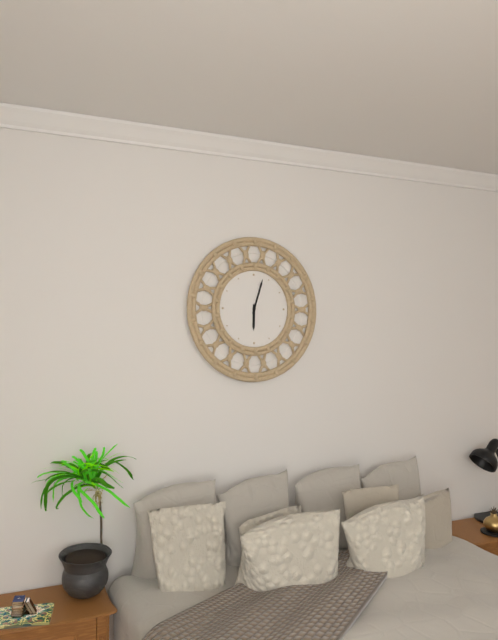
{"hour": 6, "minute": 3}
